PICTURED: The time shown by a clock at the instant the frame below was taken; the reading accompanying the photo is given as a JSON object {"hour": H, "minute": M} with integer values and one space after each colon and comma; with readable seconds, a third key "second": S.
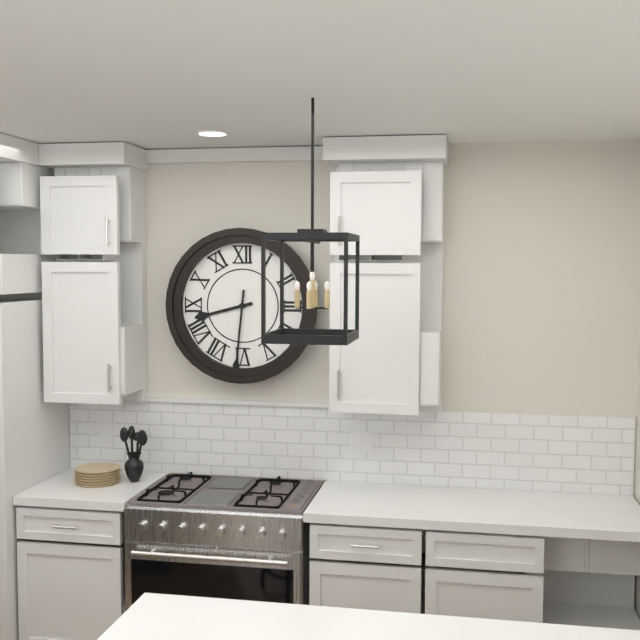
{"hour": 8, "minute": 31}
